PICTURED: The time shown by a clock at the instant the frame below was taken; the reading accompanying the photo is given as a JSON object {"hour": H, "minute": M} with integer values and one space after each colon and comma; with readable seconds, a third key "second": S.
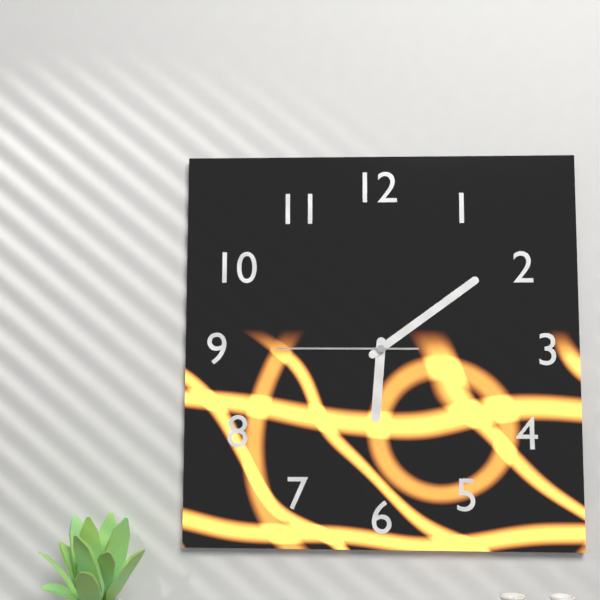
{"hour": 6, "minute": 9, "second": 45}
